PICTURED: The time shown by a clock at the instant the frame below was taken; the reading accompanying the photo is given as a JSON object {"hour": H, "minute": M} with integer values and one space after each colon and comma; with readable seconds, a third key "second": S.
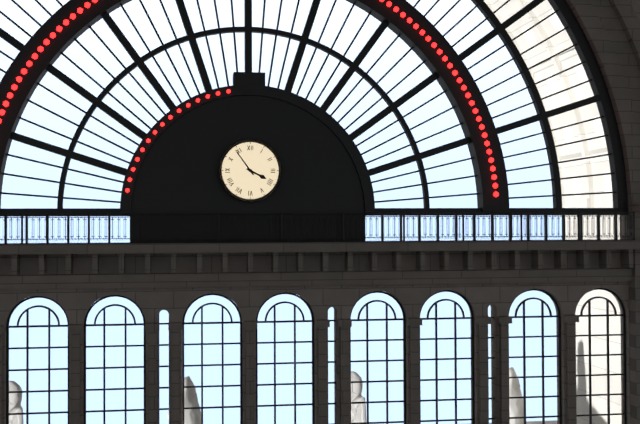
{"hour": 3, "minute": 54}
